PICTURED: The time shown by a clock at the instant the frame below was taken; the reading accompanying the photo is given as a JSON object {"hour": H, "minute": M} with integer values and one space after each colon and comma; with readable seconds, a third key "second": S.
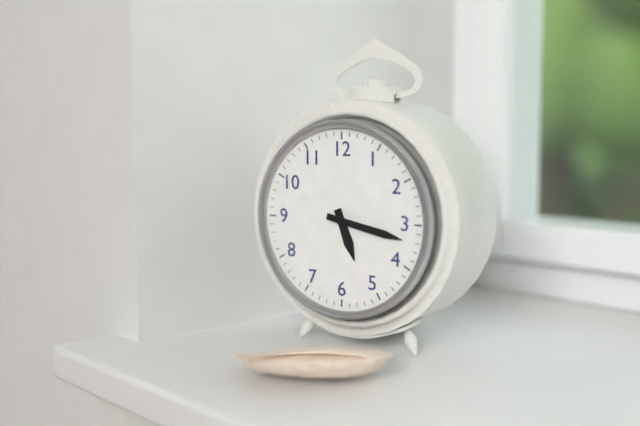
{"hour": 5, "minute": 17}
